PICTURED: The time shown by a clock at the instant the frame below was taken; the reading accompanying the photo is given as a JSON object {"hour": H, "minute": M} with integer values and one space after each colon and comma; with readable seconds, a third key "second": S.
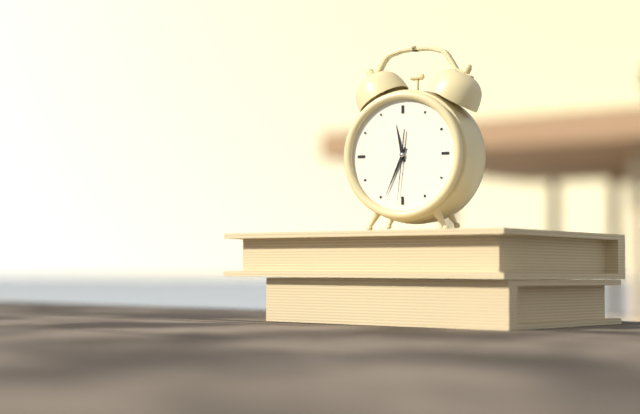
{"hour": 11, "minute": 34, "second": 31}
